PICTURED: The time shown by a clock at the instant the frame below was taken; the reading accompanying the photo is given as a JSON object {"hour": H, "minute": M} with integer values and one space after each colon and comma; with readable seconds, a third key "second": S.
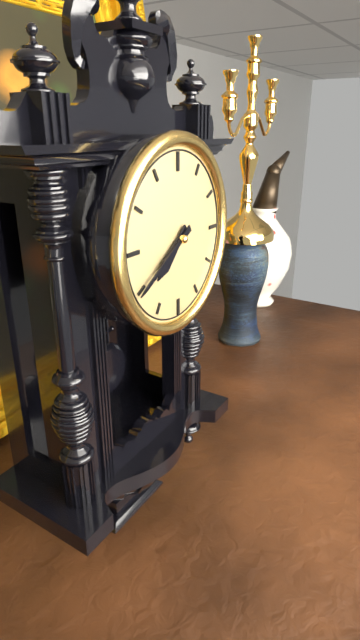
{"hour": 7, "minute": 40}
